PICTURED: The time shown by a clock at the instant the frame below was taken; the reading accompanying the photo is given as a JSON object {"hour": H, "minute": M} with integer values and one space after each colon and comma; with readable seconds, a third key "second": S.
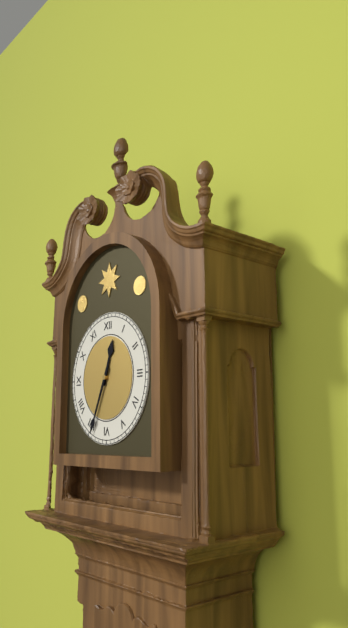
{"hour": 12, "minute": 34}
